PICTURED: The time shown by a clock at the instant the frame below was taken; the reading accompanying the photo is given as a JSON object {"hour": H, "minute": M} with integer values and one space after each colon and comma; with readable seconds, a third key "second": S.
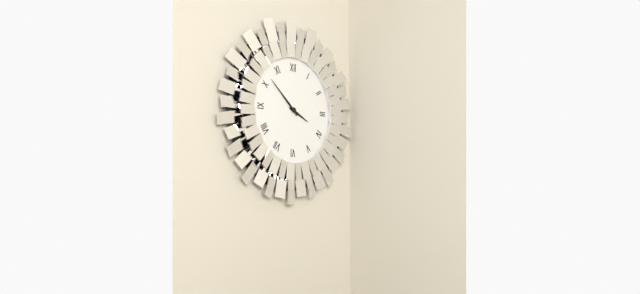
{"hour": 3, "minute": 52}
